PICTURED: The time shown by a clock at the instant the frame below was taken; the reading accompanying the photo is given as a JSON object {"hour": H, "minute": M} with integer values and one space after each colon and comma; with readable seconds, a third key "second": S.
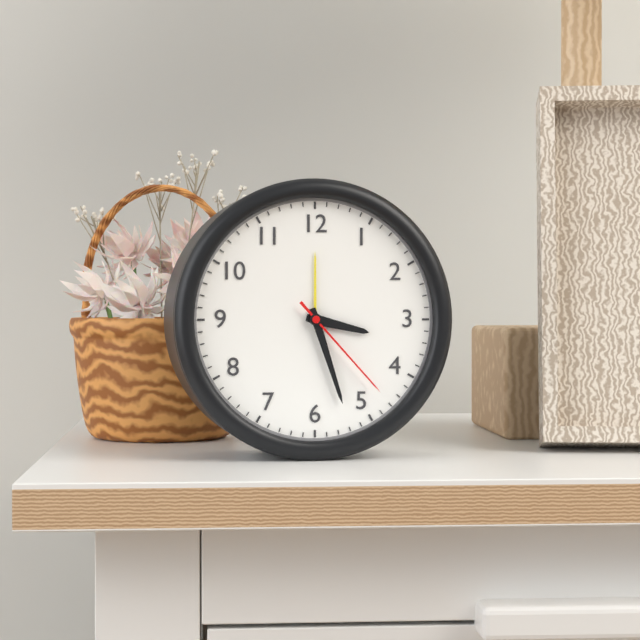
{"hour": 3, "minute": 27, "second": 23}
